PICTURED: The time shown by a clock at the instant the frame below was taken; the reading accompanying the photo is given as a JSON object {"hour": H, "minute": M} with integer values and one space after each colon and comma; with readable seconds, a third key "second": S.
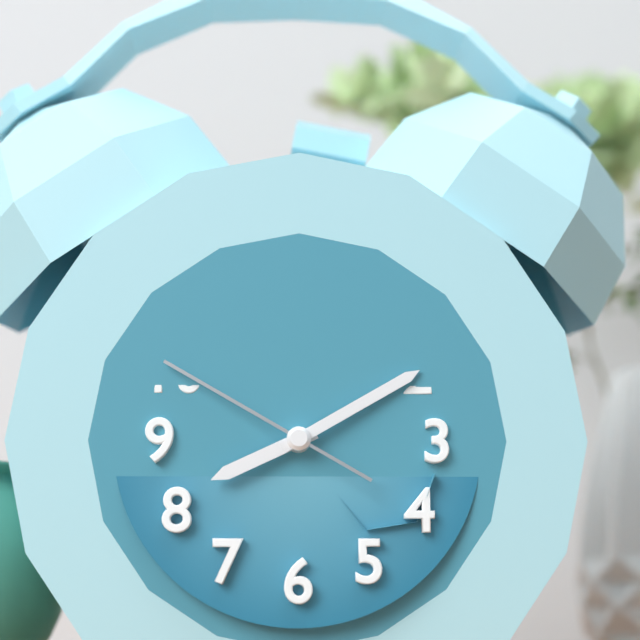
{"hour": 8, "minute": 10, "second": 50}
